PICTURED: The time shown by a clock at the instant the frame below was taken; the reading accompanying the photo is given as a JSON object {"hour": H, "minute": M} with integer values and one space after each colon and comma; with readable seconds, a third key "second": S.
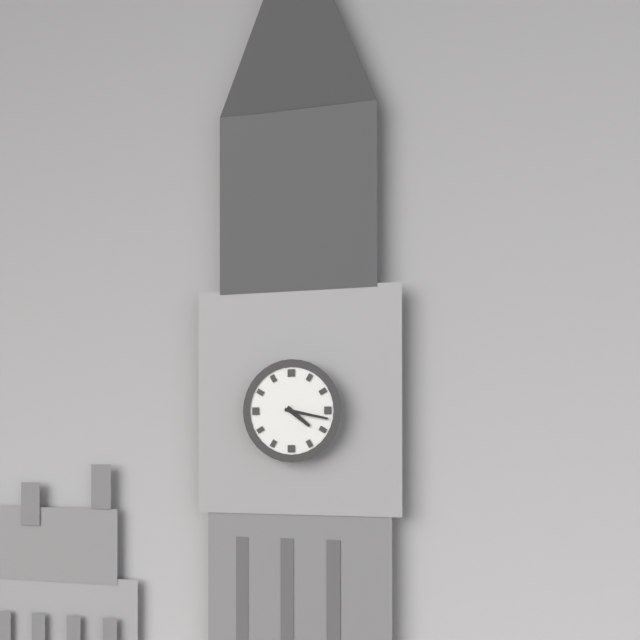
{"hour": 4, "minute": 17}
